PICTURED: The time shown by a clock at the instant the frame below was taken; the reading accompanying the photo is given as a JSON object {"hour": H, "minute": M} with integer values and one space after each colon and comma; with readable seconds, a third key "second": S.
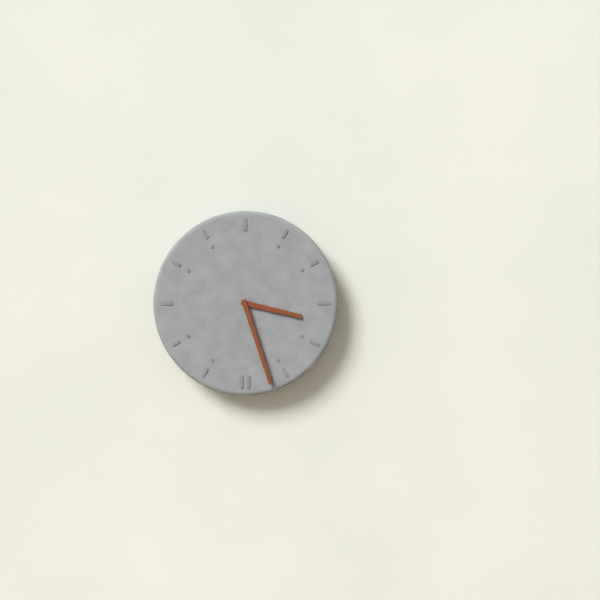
{"hour": 3, "minute": 27}
